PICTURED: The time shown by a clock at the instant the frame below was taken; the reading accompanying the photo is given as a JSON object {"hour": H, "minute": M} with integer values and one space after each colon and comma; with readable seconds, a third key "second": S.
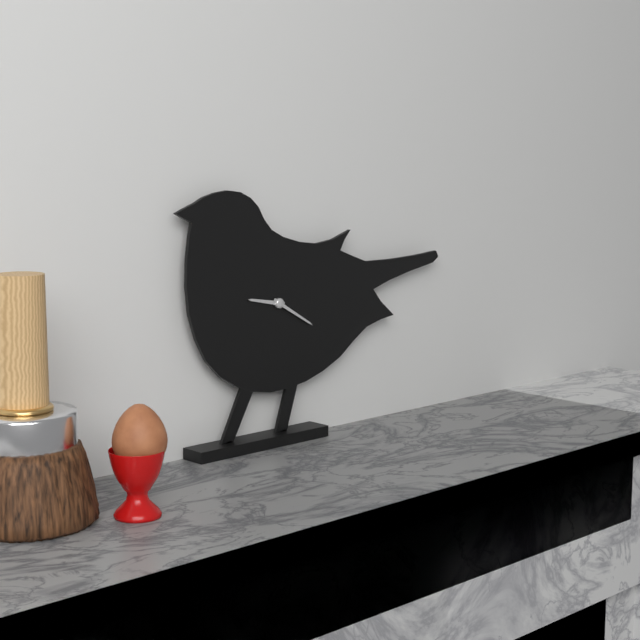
{"hour": 9, "minute": 20}
